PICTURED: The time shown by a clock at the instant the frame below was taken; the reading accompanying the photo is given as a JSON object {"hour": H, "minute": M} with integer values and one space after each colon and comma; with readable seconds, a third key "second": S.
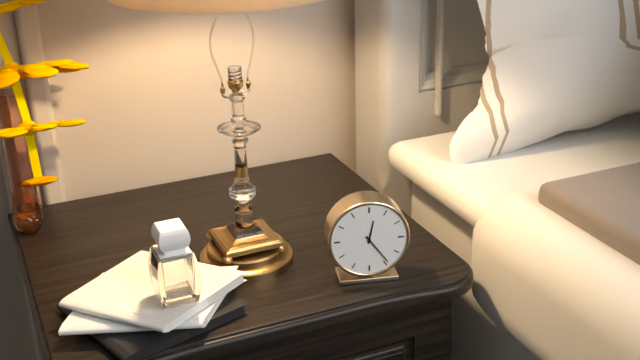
{"hour": 12, "minute": 24}
